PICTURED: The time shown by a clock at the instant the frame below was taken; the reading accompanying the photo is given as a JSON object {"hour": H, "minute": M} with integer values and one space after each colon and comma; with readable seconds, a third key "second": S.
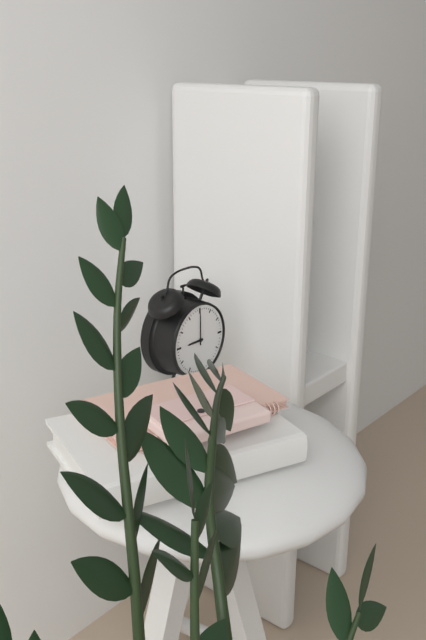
{"hour": 9, "minute": 0}
